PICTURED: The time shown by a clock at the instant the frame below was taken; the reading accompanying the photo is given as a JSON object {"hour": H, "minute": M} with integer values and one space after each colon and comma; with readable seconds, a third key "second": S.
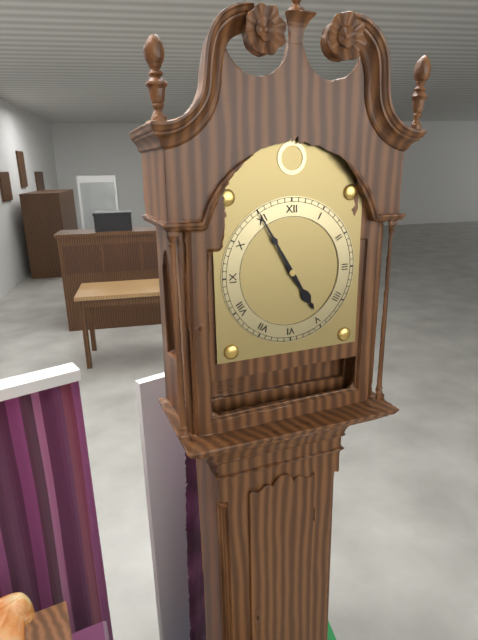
{"hour": 4, "minute": 55}
